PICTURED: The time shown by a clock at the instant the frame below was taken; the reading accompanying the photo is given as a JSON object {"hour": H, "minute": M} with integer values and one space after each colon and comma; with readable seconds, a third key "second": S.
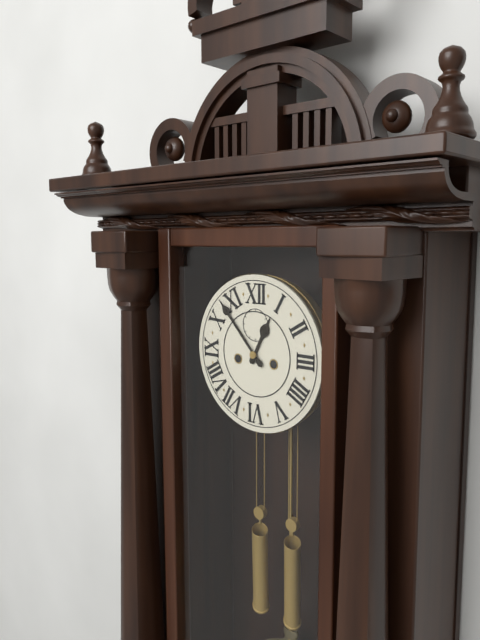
{"hour": 12, "minute": 53}
